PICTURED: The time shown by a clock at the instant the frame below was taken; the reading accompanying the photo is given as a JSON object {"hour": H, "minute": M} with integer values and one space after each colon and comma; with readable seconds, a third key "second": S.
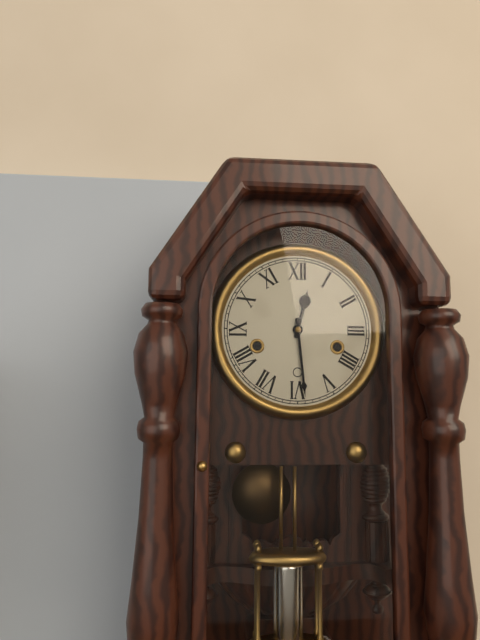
{"hour": 12, "minute": 29}
